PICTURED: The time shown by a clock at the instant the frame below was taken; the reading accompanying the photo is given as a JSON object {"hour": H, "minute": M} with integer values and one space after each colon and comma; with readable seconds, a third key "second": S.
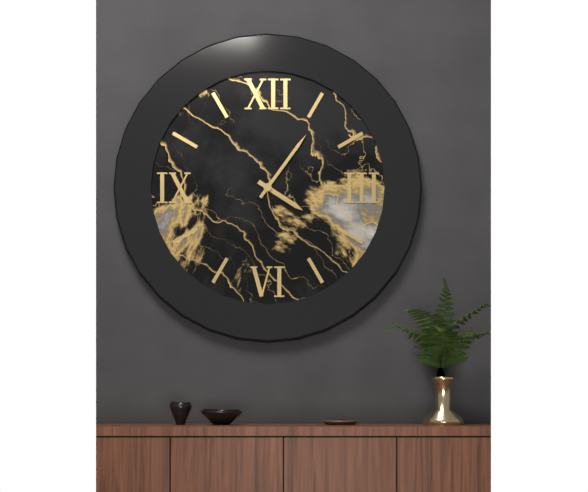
{"hour": 4, "minute": 6}
